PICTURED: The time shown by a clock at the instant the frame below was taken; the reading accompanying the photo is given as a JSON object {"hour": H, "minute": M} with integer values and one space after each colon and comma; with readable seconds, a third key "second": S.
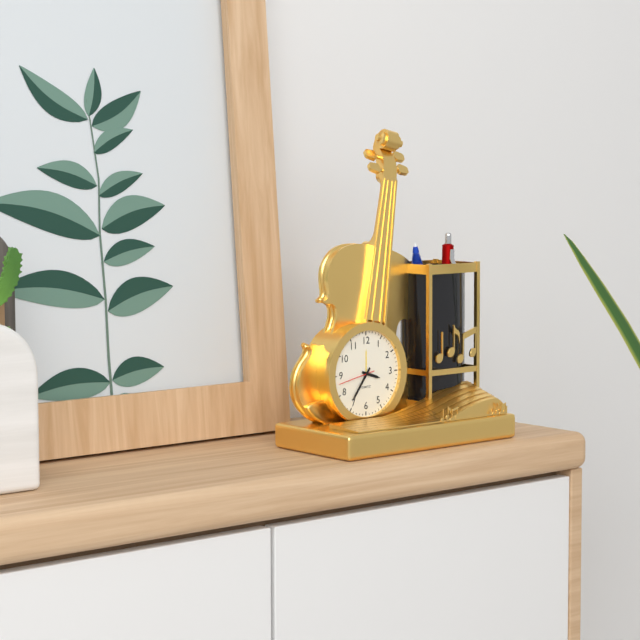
{"hour": 3, "minute": 36}
